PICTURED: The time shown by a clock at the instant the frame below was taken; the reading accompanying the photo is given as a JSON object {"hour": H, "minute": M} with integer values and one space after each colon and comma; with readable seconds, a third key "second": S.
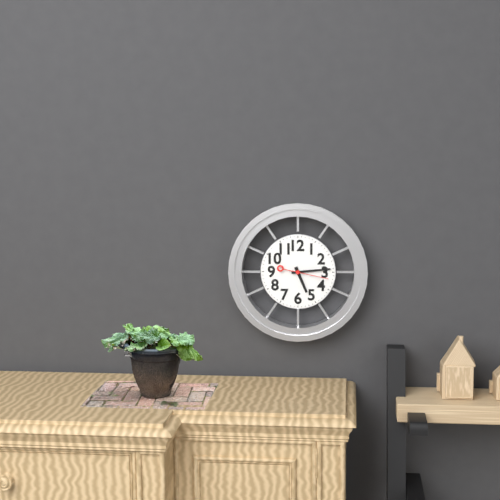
{"hour": 5, "minute": 14}
